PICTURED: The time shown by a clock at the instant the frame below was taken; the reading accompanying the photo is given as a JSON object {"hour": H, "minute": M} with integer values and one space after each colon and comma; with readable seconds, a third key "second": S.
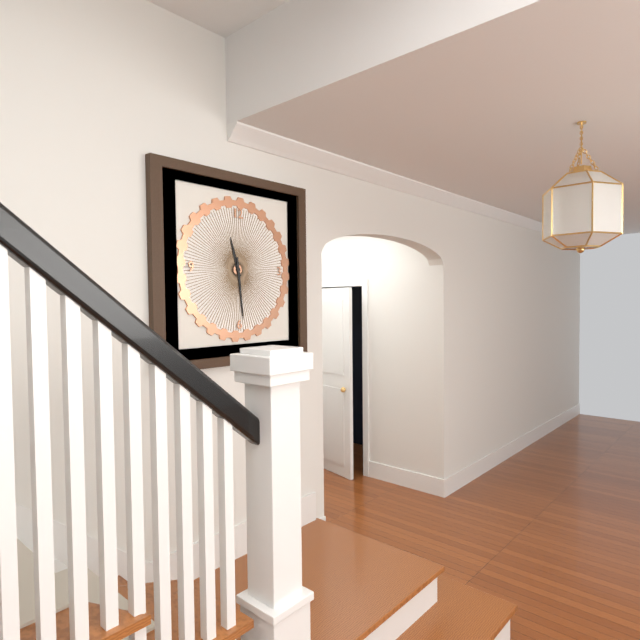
{"hour": 11, "minute": 29}
